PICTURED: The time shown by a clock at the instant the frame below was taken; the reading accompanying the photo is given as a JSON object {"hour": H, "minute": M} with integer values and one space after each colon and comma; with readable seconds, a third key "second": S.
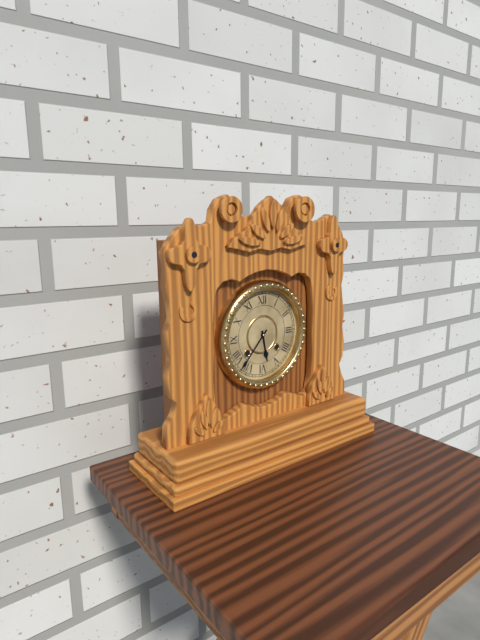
{"hour": 5, "minute": 37}
